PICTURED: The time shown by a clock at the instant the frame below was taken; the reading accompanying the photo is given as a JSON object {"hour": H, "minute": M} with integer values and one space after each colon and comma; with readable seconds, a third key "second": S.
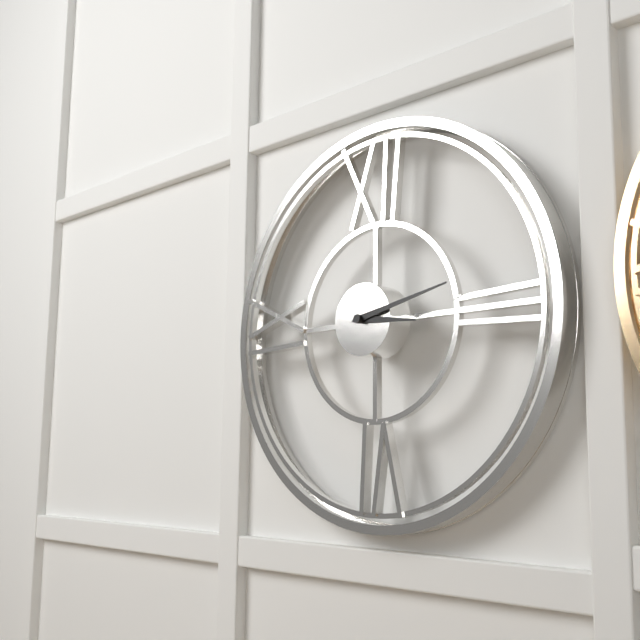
{"hour": 3, "minute": 13}
